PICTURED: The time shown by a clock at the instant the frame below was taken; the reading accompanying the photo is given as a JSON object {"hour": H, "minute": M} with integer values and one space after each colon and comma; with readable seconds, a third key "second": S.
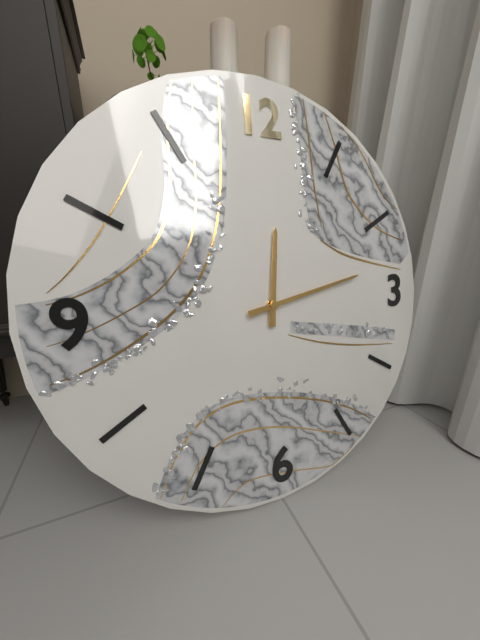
{"hour": 12, "minute": 13}
